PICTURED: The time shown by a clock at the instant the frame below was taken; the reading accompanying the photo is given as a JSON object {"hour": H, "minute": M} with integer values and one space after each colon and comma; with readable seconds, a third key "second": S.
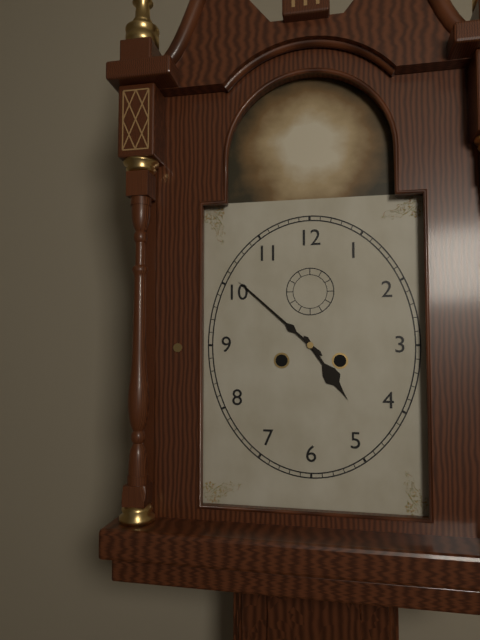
{"hour": 4, "minute": 52}
